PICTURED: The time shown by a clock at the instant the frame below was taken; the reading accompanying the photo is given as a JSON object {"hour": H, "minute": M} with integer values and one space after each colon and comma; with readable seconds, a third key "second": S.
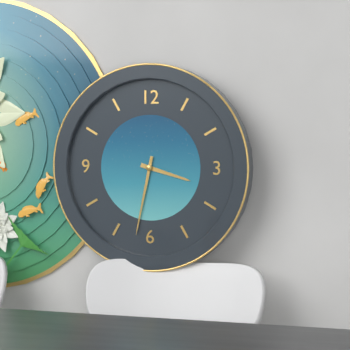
{"hour": 3, "minute": 32}
